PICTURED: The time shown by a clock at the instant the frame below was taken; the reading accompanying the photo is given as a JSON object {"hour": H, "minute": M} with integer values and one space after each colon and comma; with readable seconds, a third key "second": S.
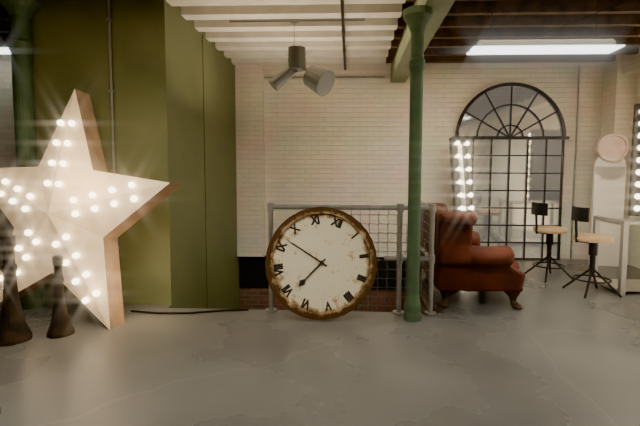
{"hour": 6, "minute": 47}
